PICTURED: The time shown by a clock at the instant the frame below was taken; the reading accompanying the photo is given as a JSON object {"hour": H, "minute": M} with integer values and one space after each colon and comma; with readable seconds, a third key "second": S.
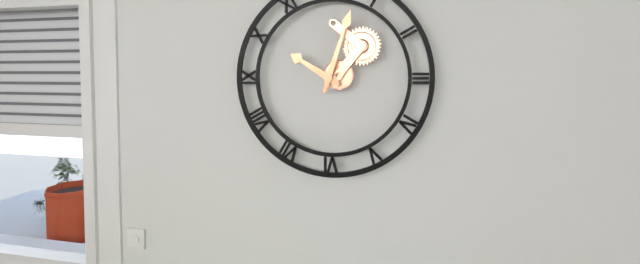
{"hour": 10, "minute": 3}
